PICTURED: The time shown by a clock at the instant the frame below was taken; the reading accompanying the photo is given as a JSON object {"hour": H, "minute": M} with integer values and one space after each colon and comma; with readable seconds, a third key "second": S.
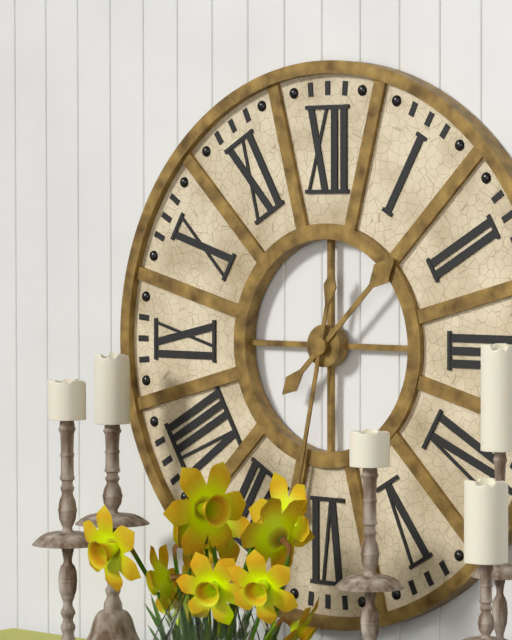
{"hour": 1, "minute": 32}
